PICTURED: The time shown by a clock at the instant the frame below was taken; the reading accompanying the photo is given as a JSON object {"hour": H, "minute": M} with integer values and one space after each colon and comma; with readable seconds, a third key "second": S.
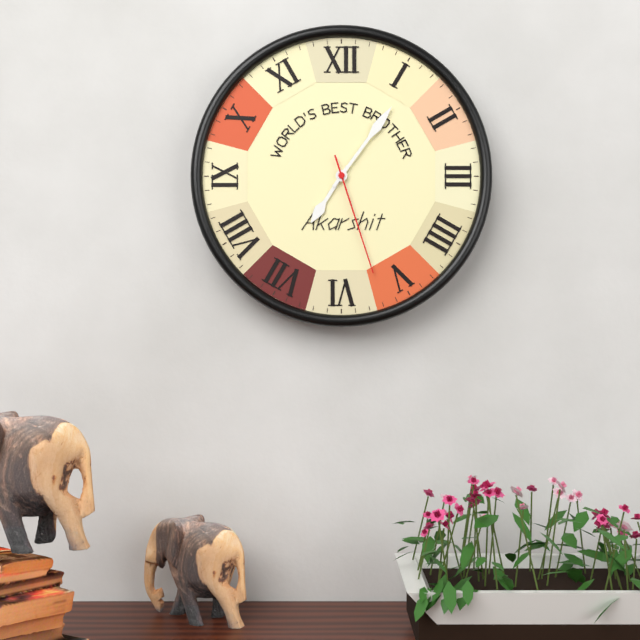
{"hour": 7, "minute": 6, "second": 27}
